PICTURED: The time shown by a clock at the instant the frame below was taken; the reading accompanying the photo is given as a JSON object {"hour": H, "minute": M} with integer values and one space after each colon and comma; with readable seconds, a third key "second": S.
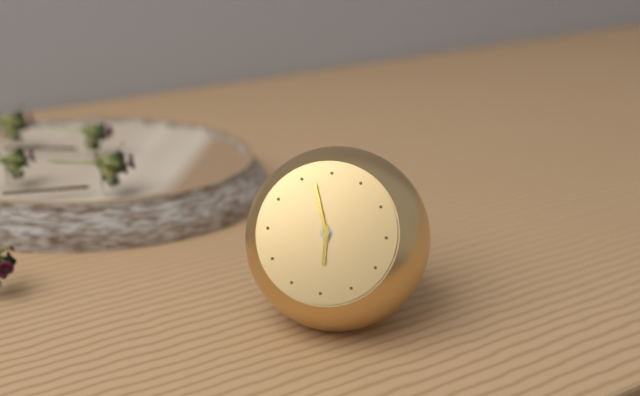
{"hour": 5, "minute": 57}
